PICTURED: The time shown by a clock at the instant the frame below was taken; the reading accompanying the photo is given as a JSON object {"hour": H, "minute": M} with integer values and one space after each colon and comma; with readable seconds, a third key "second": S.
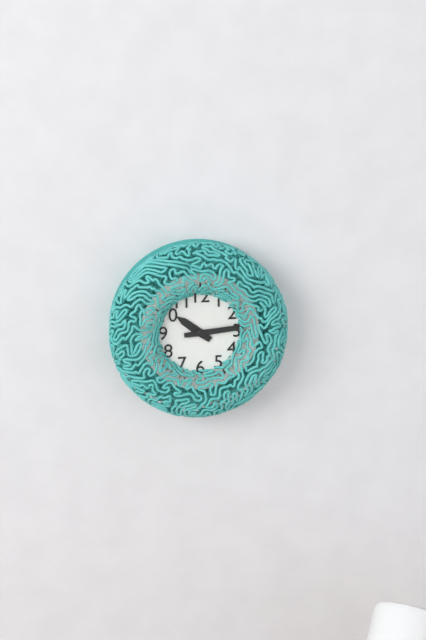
{"hour": 10, "minute": 14}
